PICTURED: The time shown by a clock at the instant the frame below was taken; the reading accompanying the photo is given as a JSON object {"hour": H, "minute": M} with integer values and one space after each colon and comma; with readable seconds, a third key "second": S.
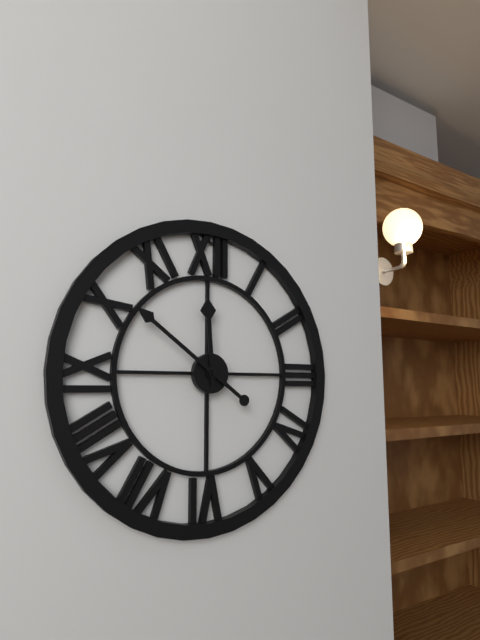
{"hour": 11, "minute": 51}
